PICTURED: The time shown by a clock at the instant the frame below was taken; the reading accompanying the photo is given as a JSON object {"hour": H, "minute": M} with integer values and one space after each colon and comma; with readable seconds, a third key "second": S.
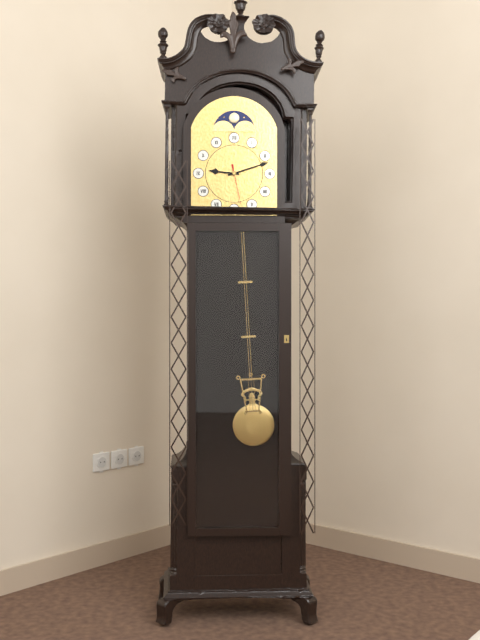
{"hour": 9, "minute": 12}
